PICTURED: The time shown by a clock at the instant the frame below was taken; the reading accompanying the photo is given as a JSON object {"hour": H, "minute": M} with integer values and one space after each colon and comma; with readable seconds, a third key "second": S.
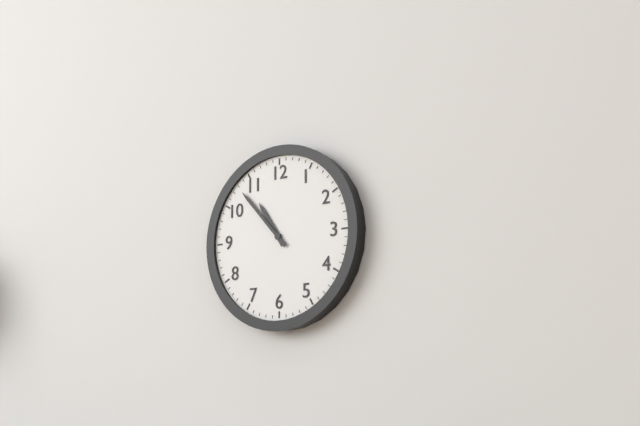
{"hour": 10, "minute": 53}
